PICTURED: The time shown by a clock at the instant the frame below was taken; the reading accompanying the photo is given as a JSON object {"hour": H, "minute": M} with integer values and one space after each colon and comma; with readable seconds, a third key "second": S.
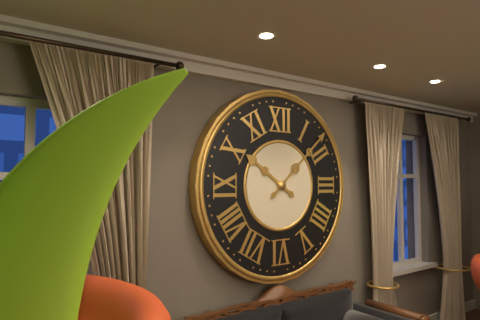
{"hour": 10, "minute": 8}
